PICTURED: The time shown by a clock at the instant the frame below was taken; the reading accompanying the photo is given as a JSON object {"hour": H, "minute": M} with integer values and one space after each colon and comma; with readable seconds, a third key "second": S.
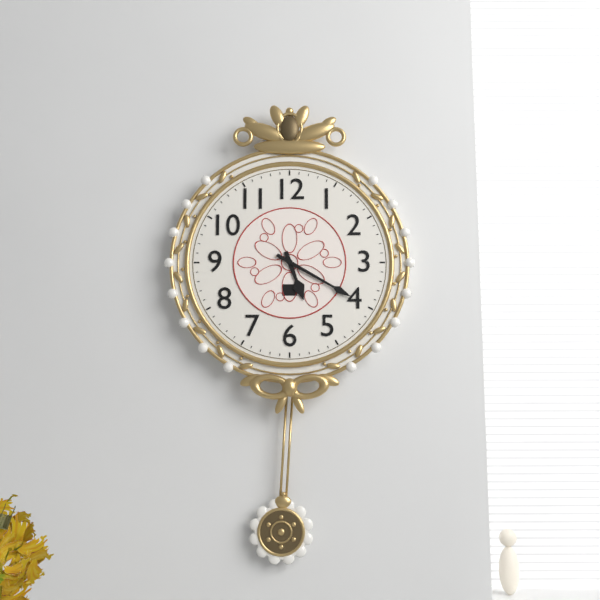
{"hour": 5, "minute": 20}
